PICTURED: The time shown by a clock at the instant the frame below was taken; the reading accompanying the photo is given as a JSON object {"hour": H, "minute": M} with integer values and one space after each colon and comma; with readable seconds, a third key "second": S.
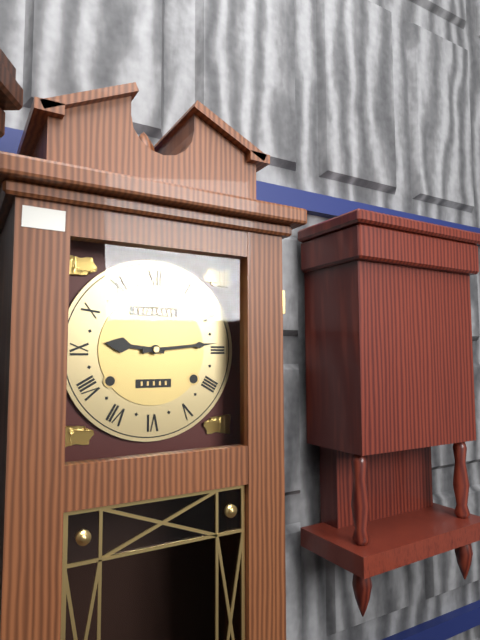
{"hour": 9, "minute": 14}
